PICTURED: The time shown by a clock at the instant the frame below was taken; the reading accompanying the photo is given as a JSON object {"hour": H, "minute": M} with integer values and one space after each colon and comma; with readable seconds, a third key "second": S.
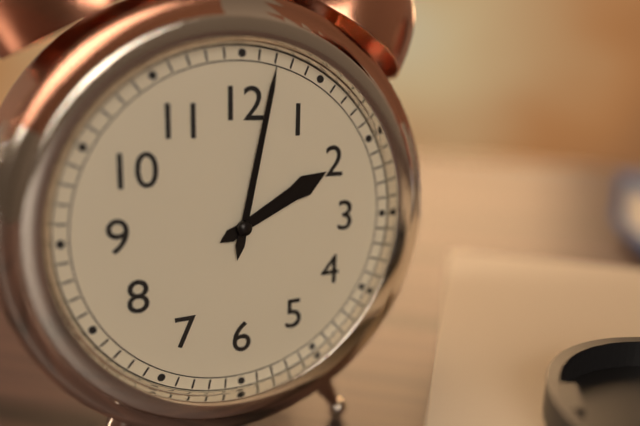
{"hour": 2, "minute": 2}
